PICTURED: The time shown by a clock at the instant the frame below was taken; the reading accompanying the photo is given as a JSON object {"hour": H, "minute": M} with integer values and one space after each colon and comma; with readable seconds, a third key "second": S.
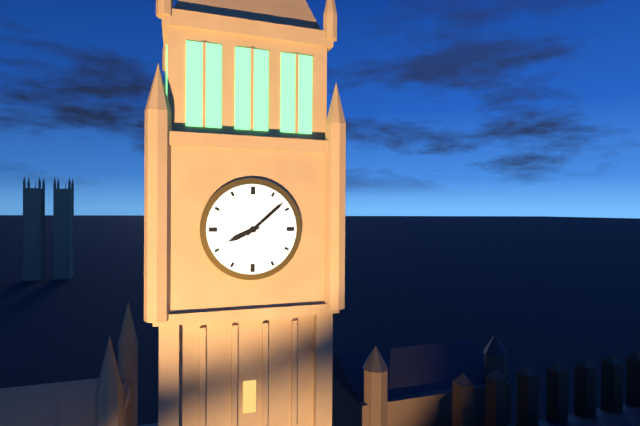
{"hour": 8, "minute": 8}
